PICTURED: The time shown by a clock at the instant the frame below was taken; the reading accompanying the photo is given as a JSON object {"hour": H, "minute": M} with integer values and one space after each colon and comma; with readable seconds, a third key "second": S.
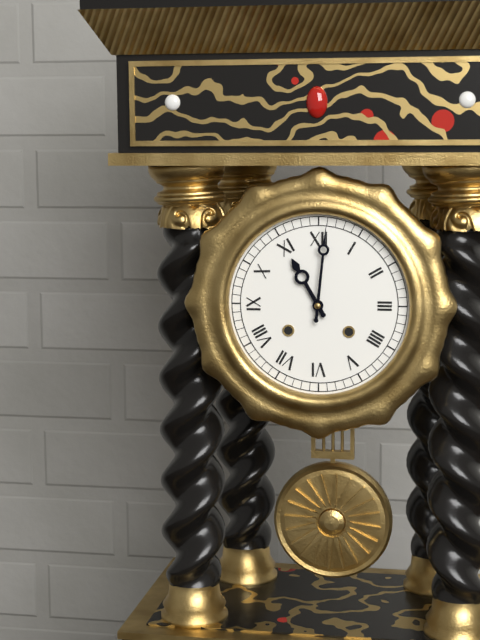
{"hour": 11, "minute": 1}
